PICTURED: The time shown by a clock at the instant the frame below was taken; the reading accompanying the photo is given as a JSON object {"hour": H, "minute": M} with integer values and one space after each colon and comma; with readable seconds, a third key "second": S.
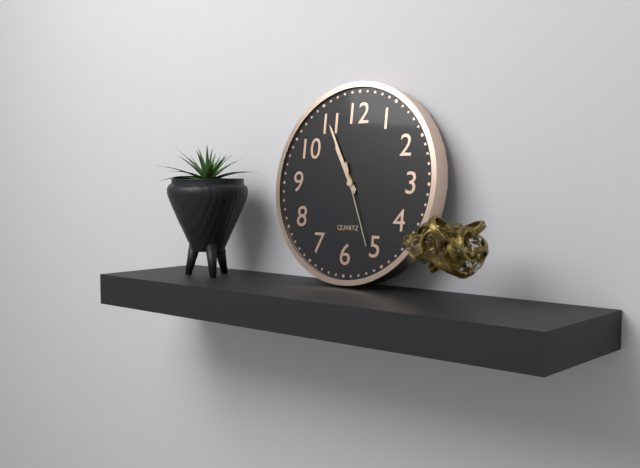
{"hour": 10, "minute": 55, "second": 26}
